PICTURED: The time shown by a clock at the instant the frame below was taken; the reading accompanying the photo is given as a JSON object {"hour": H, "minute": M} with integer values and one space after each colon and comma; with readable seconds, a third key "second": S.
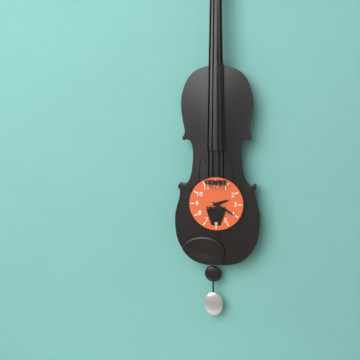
{"hour": 2, "minute": 20}
